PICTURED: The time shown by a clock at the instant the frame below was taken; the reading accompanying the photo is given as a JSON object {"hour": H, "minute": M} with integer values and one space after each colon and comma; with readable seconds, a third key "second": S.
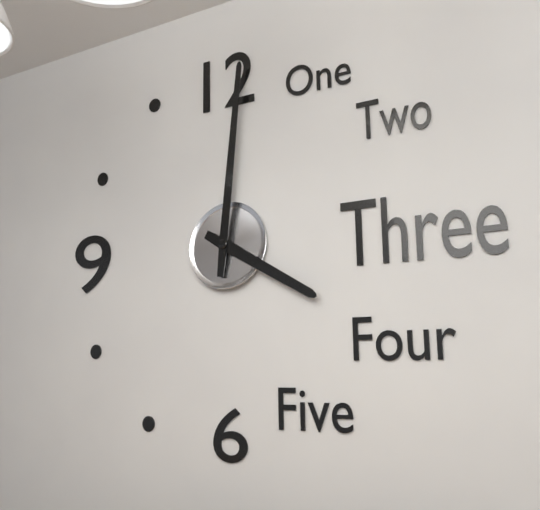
{"hour": 4, "minute": 1}
